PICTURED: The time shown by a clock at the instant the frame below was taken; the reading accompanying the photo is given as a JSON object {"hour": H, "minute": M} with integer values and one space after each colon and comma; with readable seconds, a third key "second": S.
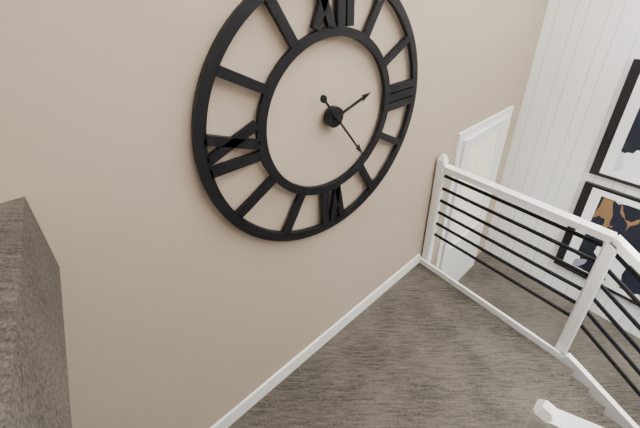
{"hour": 2, "minute": 24}
